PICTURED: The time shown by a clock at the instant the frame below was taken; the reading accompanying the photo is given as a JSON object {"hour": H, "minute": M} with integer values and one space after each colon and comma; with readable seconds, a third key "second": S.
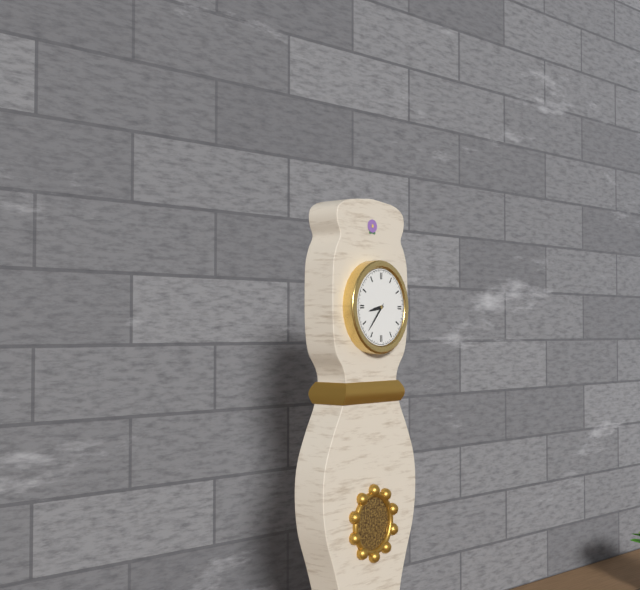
{"hour": 8, "minute": 37}
